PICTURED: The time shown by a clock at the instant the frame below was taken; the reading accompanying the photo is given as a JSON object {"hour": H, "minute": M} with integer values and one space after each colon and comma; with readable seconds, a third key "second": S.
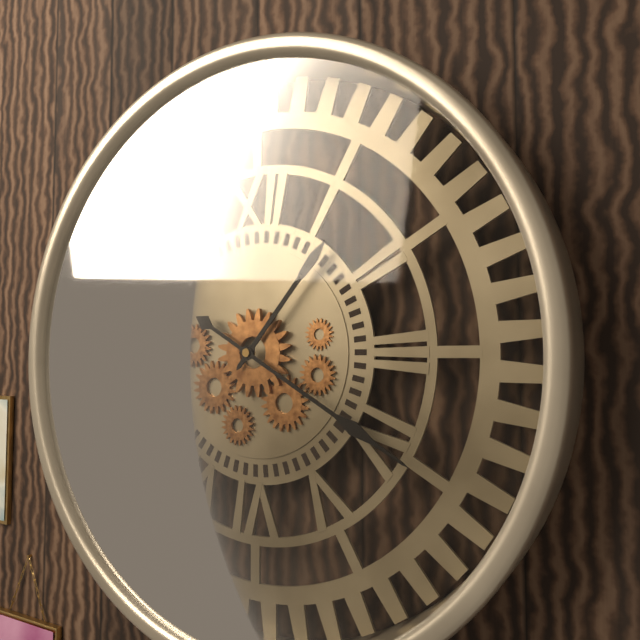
{"hour": 1, "minute": 20}
